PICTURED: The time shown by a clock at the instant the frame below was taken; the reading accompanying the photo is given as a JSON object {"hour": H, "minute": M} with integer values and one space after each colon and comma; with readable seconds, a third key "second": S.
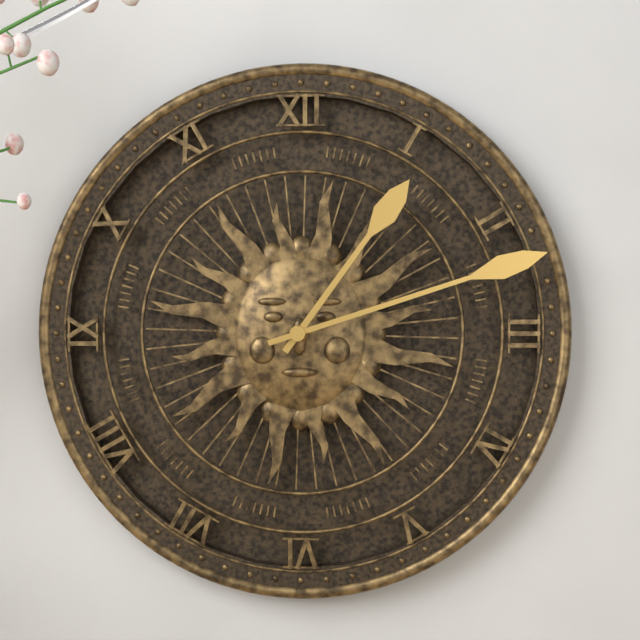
{"hour": 1, "minute": 12}
